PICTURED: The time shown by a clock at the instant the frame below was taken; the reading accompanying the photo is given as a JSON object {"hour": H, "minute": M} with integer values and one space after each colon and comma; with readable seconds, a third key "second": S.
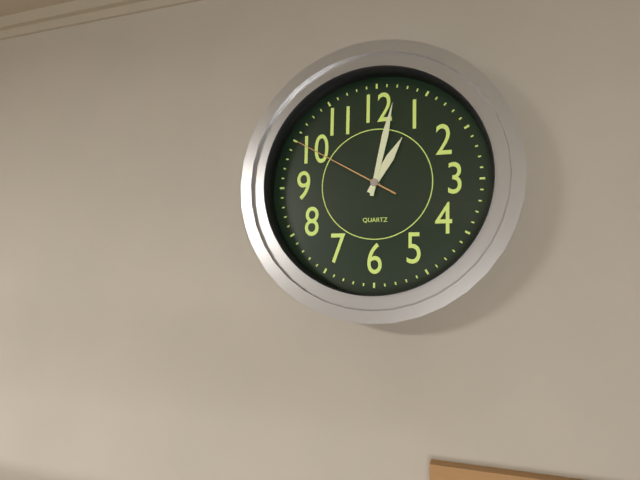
{"hour": 1, "minute": 2, "second": 50}
